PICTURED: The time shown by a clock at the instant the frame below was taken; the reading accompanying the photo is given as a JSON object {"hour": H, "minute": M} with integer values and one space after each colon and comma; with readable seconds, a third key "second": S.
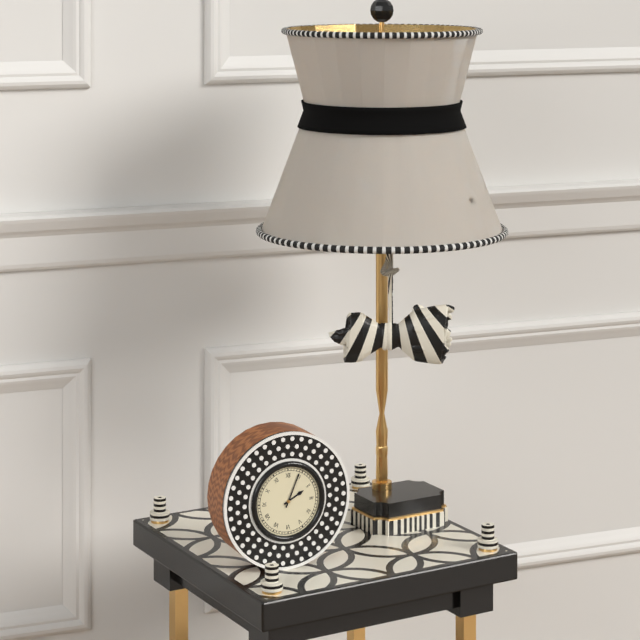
{"hour": 2, "minute": 4}
